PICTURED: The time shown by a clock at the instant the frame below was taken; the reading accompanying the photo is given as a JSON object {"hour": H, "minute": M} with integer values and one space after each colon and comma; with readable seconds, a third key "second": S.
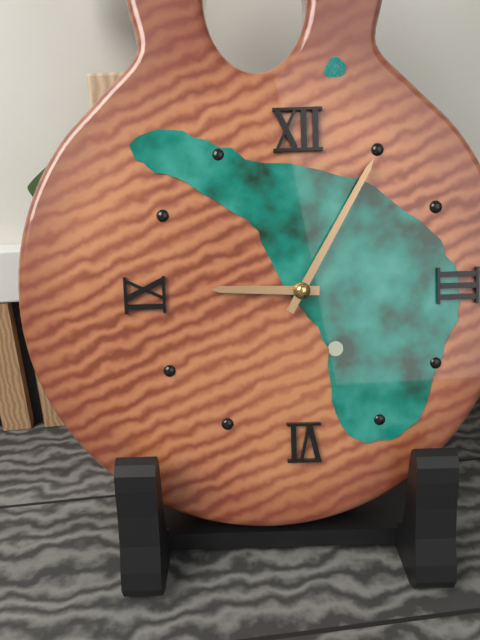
{"hour": 9, "minute": 5}
